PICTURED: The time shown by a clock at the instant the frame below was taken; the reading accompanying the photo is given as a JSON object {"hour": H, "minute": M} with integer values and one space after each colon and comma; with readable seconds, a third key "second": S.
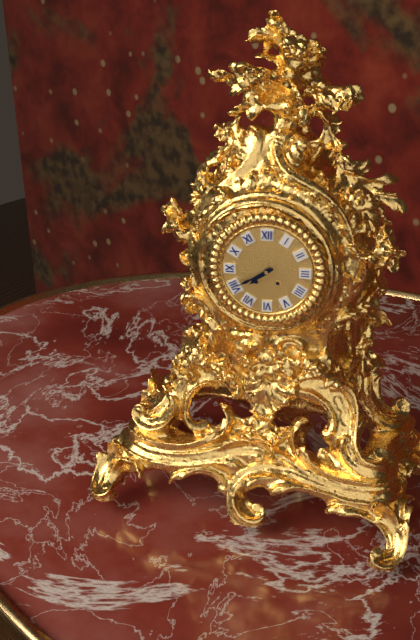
{"hour": 7, "minute": 40}
